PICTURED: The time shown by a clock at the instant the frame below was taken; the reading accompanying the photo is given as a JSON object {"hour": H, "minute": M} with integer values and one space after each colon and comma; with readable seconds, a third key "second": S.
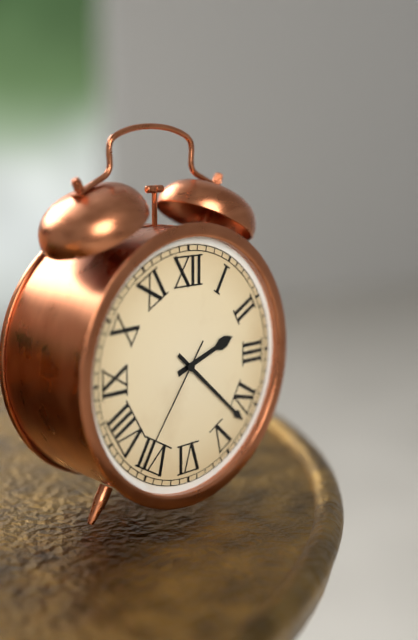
{"hour": 2, "minute": 22, "second": 36}
